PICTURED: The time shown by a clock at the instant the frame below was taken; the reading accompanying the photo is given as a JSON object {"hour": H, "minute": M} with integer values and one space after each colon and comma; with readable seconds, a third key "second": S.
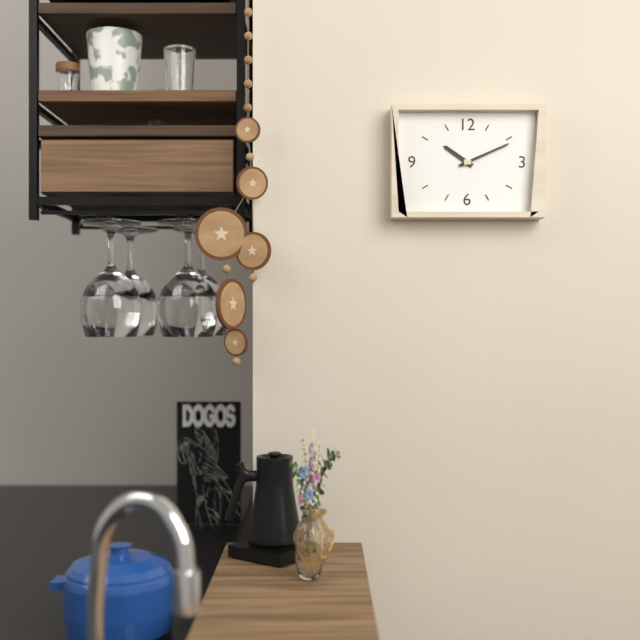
{"hour": 10, "minute": 11}
